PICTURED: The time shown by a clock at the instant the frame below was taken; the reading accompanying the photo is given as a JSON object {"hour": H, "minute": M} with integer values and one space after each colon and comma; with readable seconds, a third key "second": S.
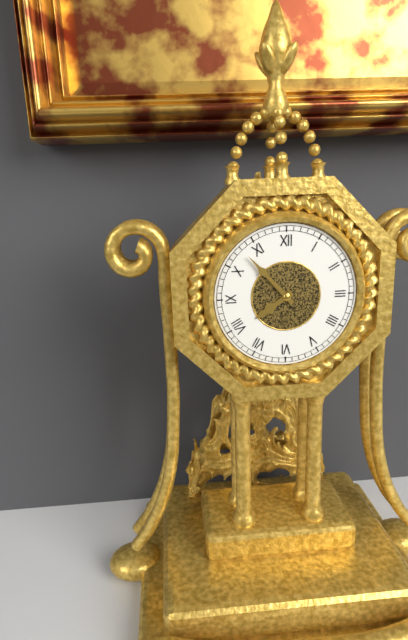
{"hour": 7, "minute": 53}
